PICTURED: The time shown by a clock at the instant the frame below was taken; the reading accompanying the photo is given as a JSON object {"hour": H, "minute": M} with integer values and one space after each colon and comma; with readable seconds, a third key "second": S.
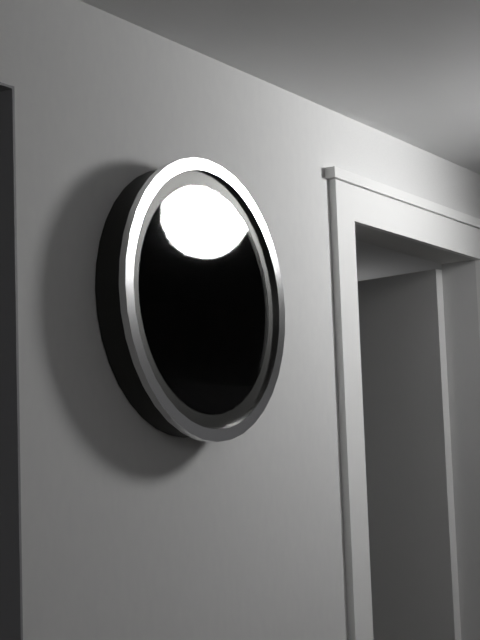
{"hour": 3, "minute": 30}
